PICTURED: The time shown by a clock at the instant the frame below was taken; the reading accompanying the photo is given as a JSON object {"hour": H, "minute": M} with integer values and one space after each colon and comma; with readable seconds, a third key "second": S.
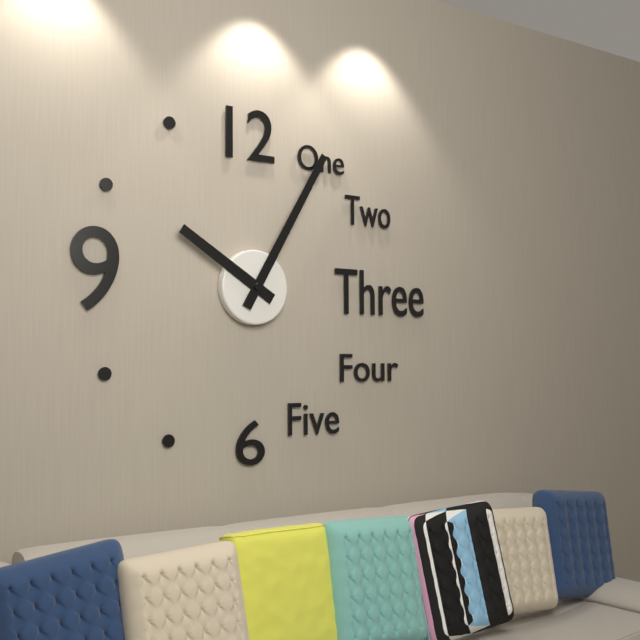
{"hour": 10, "minute": 5}
